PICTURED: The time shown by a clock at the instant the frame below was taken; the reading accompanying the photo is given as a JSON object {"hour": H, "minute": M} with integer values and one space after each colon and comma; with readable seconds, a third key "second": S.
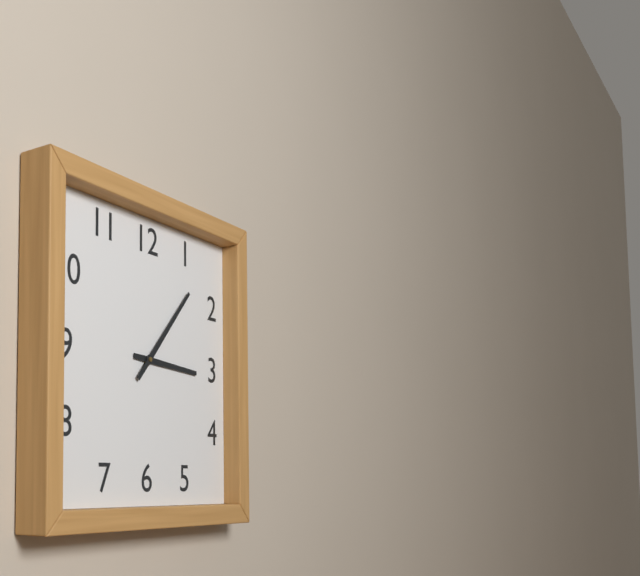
{"hour": 3, "minute": 7}
